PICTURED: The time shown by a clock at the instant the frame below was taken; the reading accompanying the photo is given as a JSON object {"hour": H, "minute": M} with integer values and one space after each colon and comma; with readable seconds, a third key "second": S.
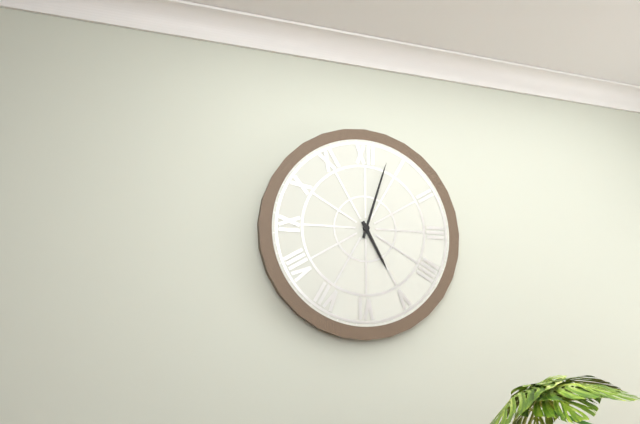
{"hour": 5, "minute": 3}
